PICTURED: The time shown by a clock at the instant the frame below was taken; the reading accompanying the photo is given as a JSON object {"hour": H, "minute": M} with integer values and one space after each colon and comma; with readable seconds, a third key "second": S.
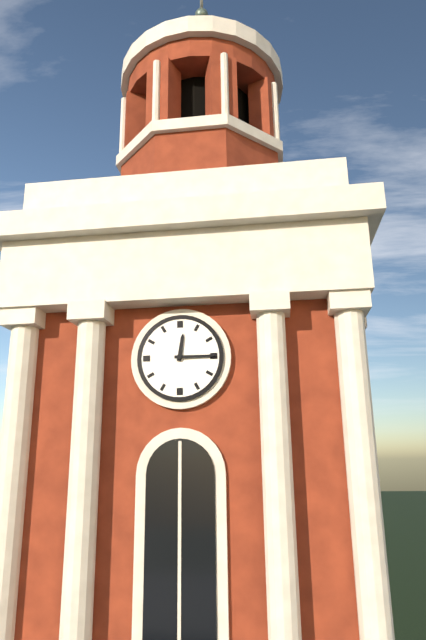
{"hour": 12, "minute": 15}
